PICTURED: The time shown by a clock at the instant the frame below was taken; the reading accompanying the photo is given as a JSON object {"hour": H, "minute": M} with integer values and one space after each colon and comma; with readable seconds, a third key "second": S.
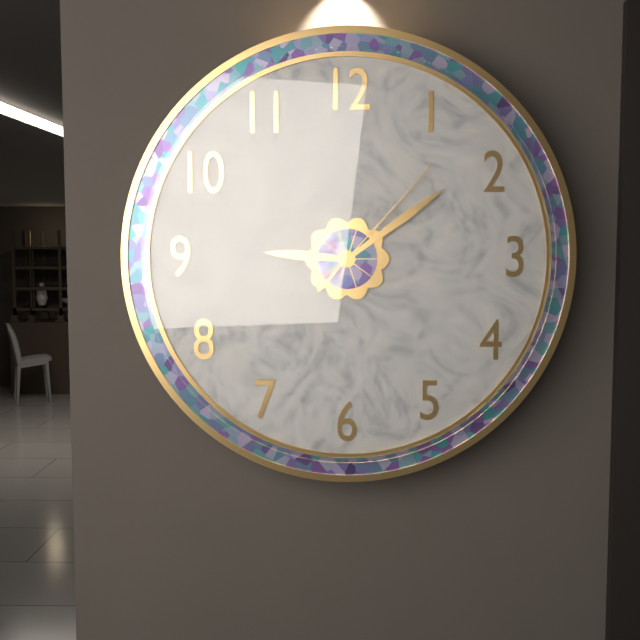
{"hour": 9, "minute": 9, "second": 7}
